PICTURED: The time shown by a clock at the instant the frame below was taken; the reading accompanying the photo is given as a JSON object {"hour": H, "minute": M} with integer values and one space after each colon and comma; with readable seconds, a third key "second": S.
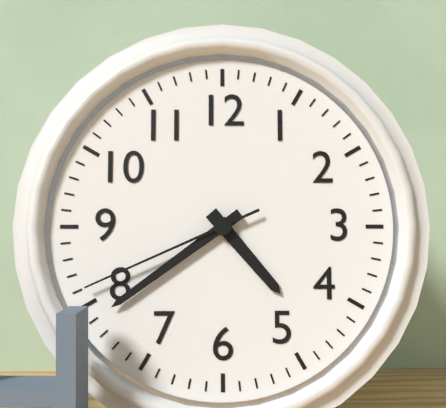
{"hour": 4, "minute": 39, "second": 41}
